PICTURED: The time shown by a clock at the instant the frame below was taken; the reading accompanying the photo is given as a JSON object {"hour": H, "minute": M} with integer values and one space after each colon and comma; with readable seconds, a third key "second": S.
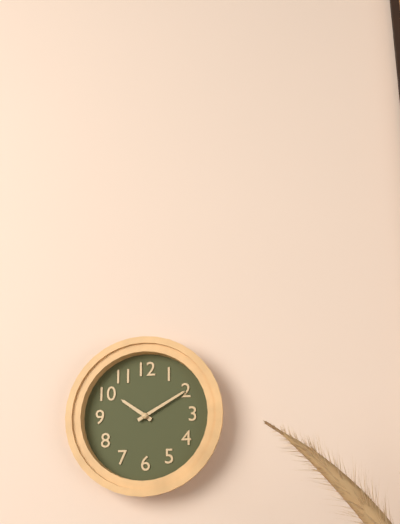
{"hour": 10, "minute": 10}
